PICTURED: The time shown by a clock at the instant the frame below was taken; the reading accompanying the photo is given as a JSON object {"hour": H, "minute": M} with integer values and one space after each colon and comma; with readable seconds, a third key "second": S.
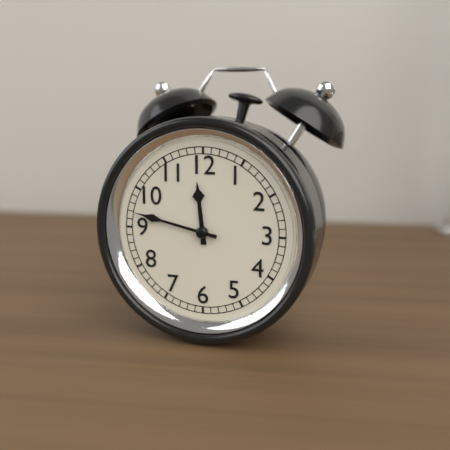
{"hour": 11, "minute": 47}
